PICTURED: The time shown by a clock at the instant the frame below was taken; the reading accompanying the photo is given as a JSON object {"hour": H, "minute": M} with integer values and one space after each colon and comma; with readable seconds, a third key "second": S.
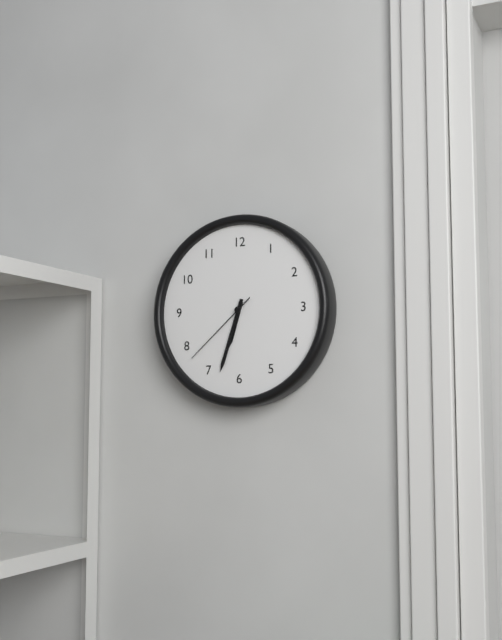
{"hour": 6, "minute": 33, "second": 38}
